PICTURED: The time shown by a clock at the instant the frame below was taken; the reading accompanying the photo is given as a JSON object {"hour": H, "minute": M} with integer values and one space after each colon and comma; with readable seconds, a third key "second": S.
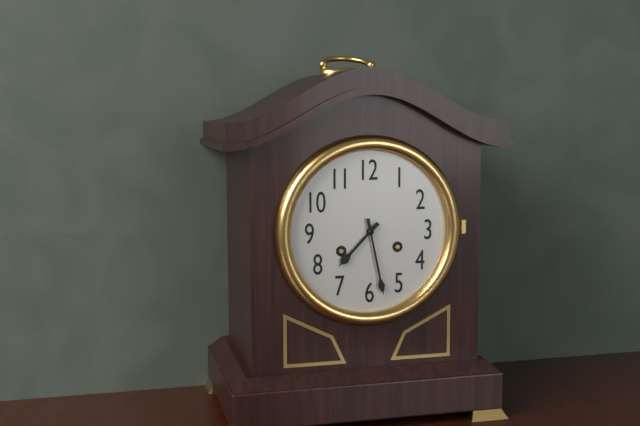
{"hour": 7, "minute": 28}
